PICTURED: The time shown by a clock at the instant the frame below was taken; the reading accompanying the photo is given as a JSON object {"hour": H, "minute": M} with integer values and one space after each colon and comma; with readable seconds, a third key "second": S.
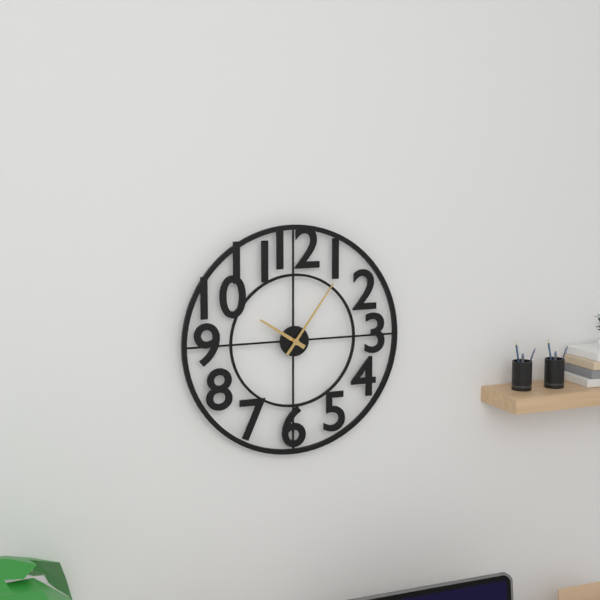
{"hour": 10, "minute": 6}
